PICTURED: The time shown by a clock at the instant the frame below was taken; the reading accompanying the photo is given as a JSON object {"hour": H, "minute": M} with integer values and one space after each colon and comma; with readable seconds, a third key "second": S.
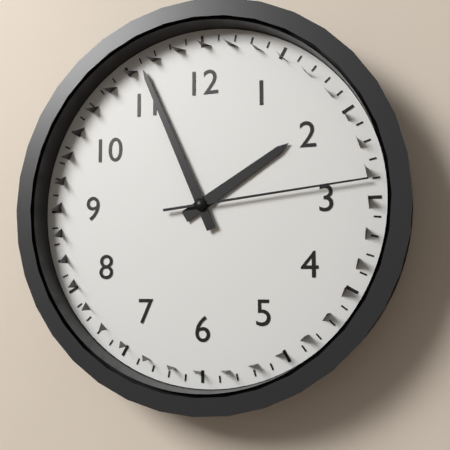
{"hour": 1, "minute": 56, "second": 14}
